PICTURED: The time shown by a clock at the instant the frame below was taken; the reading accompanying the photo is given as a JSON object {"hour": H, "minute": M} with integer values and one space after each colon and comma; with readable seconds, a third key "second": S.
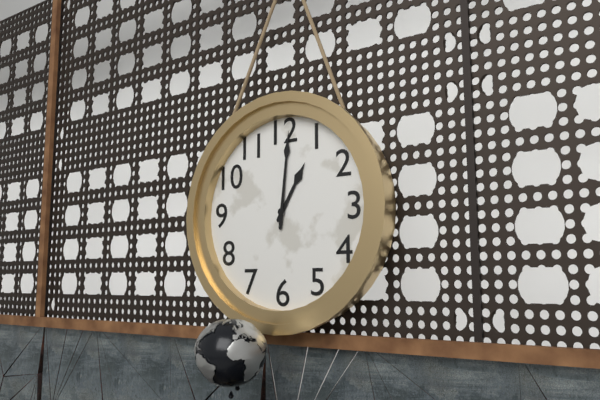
{"hour": 1, "minute": 1}
